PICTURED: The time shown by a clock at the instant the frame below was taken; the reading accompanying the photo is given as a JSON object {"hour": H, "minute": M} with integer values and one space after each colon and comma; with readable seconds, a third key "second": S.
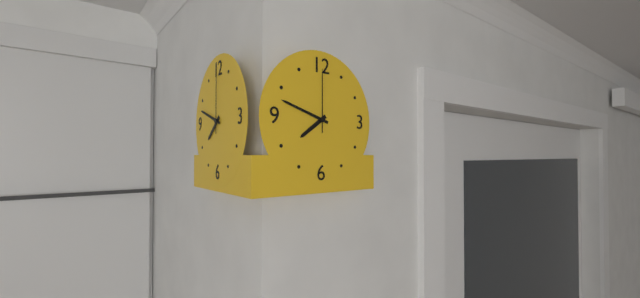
{"hour": 7, "minute": 48, "second": 0}
